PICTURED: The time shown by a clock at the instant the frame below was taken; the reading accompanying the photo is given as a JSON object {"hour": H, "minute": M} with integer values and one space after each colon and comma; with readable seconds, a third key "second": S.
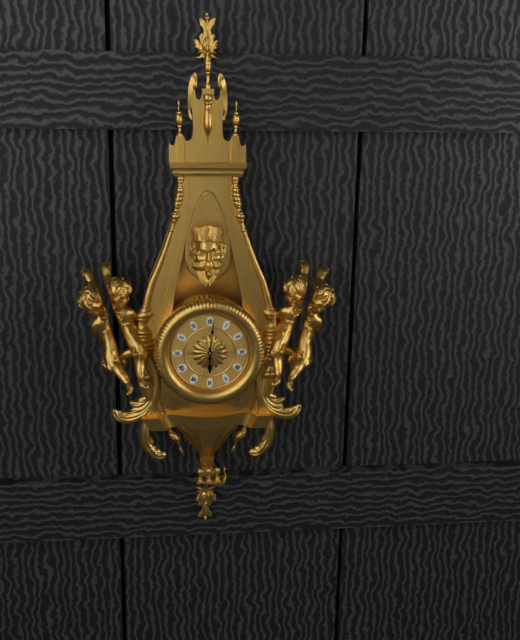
{"hour": 6, "minute": 1}
